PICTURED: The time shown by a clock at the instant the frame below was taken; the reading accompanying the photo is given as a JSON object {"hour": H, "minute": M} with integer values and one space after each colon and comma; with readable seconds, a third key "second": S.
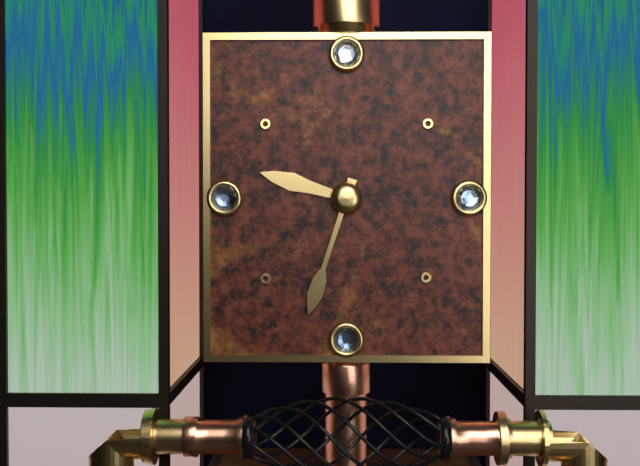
{"hour": 9, "minute": 33}
